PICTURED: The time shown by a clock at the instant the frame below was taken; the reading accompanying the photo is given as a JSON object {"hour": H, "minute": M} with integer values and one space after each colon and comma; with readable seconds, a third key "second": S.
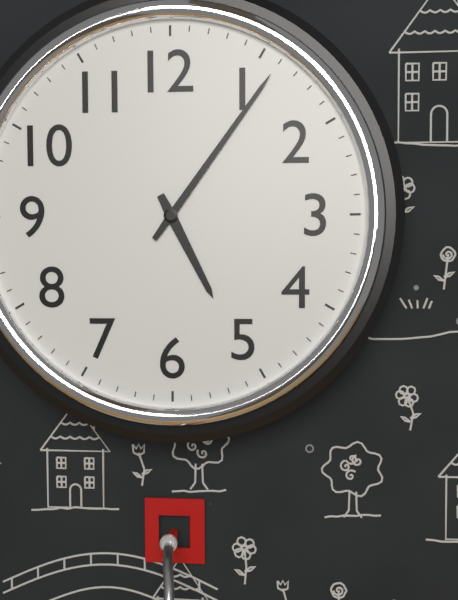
{"hour": 5, "minute": 6}
